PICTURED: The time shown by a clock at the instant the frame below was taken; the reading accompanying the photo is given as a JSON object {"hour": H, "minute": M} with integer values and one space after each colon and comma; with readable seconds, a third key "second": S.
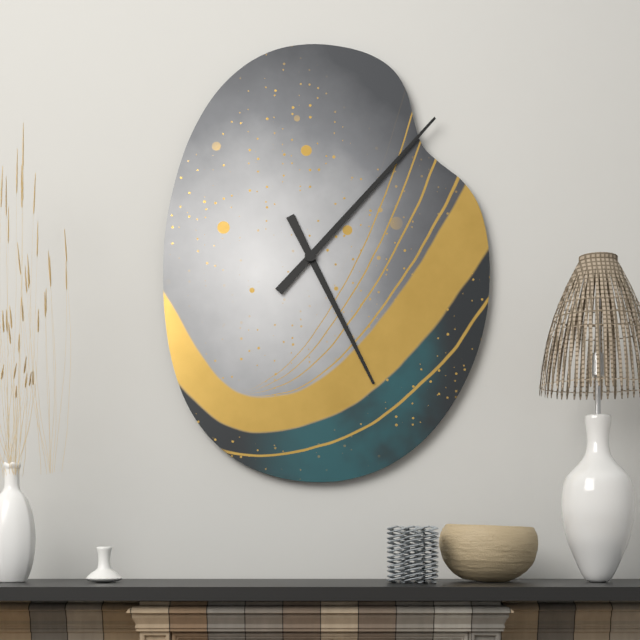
{"hour": 5, "minute": 7}
